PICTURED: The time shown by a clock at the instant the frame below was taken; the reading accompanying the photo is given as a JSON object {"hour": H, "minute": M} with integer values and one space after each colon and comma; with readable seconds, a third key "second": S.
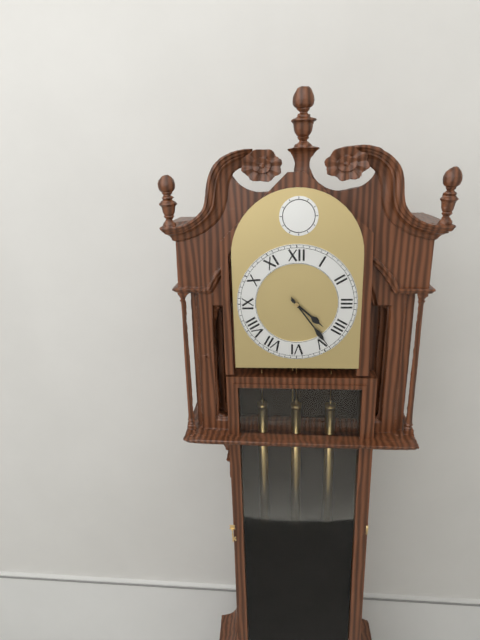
{"hour": 4, "minute": 24}
